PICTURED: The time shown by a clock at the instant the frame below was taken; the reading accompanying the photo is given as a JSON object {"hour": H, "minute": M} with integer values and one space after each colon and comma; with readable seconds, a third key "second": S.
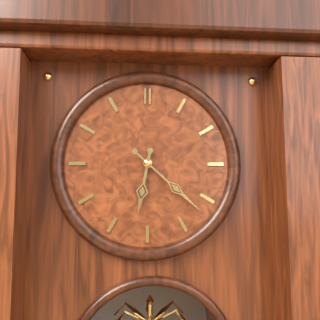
{"hour": 6, "minute": 22}
